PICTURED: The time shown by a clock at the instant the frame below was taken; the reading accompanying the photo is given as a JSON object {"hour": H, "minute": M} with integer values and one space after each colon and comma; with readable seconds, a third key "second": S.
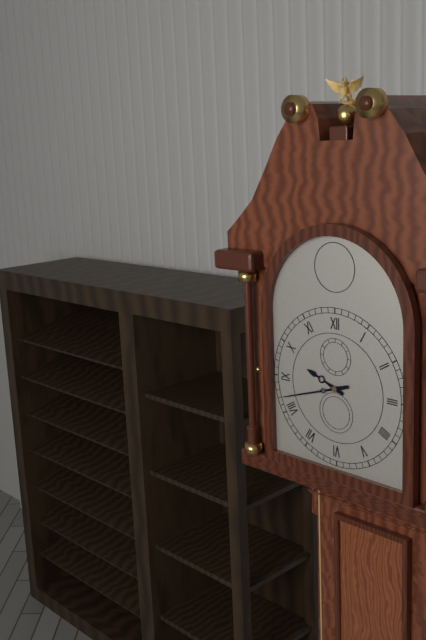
{"hour": 9, "minute": 42}
